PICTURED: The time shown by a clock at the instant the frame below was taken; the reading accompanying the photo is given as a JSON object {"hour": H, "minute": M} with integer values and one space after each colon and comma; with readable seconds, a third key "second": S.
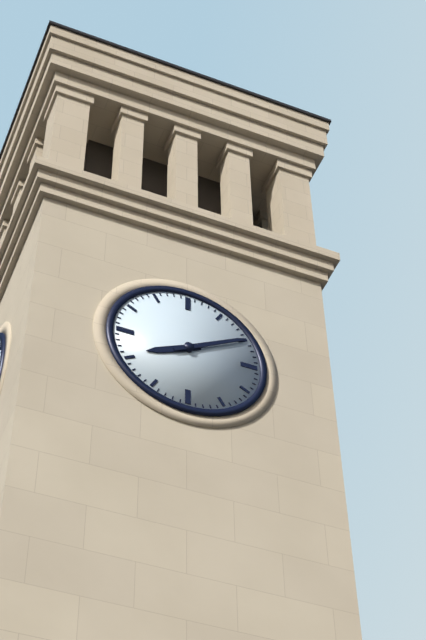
{"hour": 8, "minute": 10}
